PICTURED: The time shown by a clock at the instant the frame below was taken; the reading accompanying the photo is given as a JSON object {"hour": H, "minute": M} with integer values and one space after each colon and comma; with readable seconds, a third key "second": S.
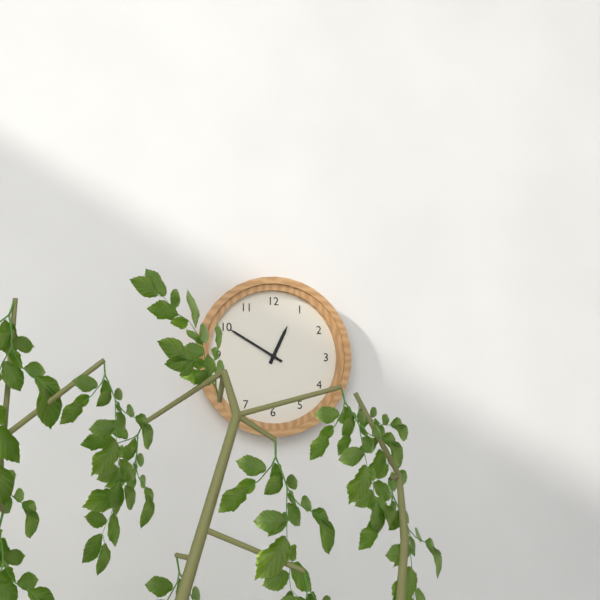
{"hour": 12, "minute": 50}
